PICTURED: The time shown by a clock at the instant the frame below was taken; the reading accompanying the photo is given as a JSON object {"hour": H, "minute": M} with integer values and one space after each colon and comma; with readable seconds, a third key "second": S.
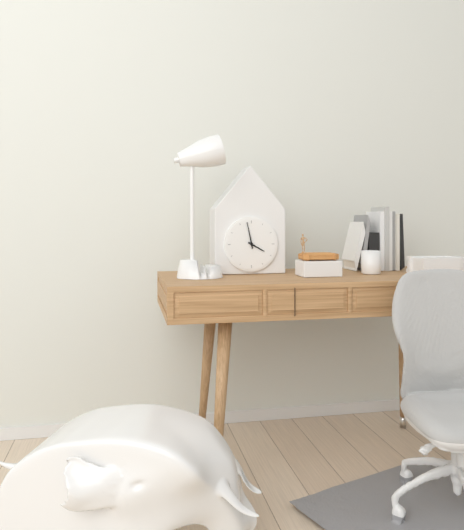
{"hour": 3, "minute": 58}
